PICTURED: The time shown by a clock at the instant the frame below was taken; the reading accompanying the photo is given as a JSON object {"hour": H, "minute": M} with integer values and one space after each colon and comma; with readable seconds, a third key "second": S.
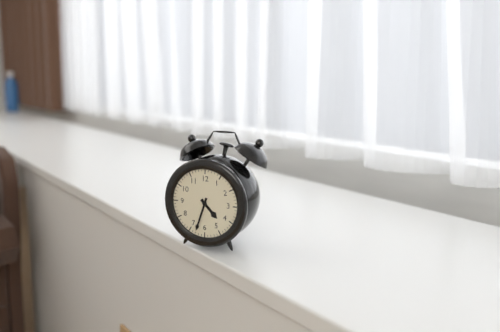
{"hour": 4, "minute": 33}
